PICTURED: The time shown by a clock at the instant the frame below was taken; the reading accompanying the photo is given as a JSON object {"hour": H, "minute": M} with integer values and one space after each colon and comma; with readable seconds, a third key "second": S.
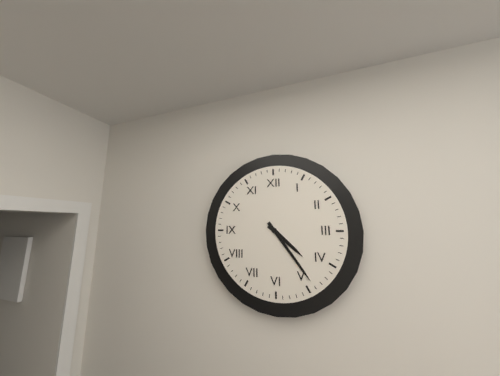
{"hour": 4, "minute": 24}
